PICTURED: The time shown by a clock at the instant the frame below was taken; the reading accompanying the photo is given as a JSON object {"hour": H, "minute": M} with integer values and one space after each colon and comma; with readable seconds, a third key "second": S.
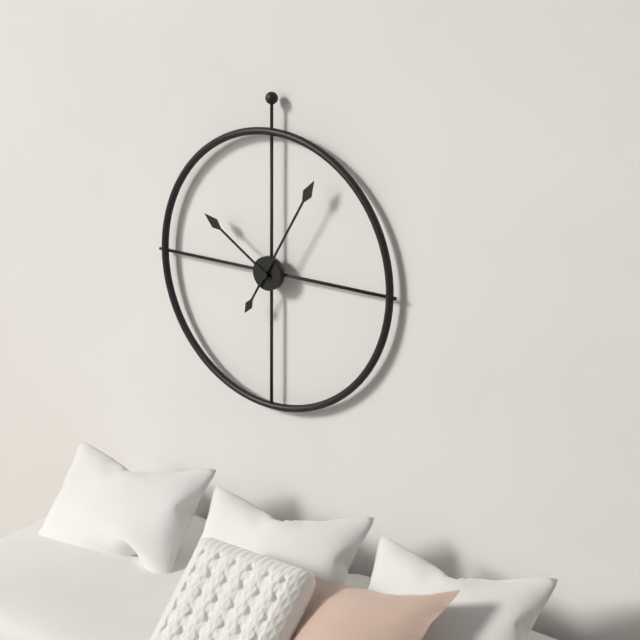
{"hour": 10, "minute": 5}
